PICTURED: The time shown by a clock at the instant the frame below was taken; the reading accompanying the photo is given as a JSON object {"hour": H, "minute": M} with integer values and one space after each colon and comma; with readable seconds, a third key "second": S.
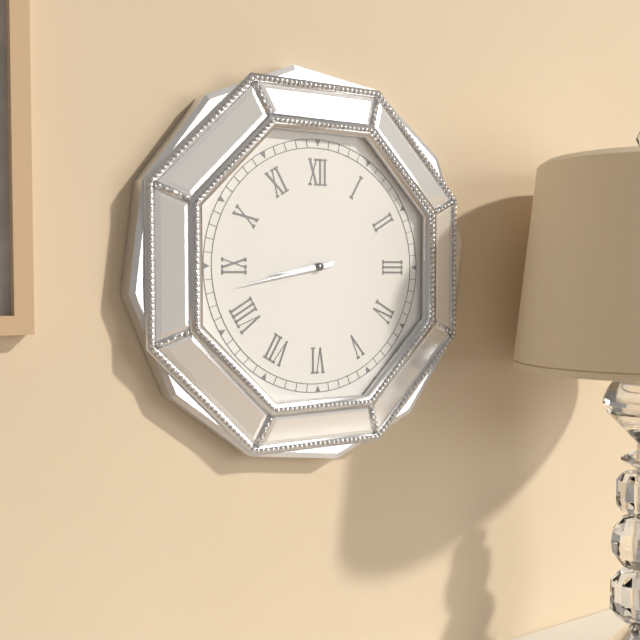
{"hour": 8, "minute": 43}
